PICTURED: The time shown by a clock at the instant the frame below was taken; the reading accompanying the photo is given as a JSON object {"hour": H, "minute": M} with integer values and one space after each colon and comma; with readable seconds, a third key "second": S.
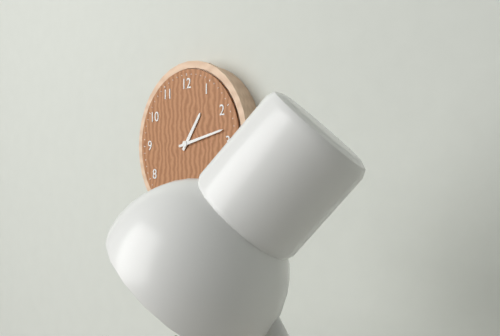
{"hour": 1, "minute": 13}
